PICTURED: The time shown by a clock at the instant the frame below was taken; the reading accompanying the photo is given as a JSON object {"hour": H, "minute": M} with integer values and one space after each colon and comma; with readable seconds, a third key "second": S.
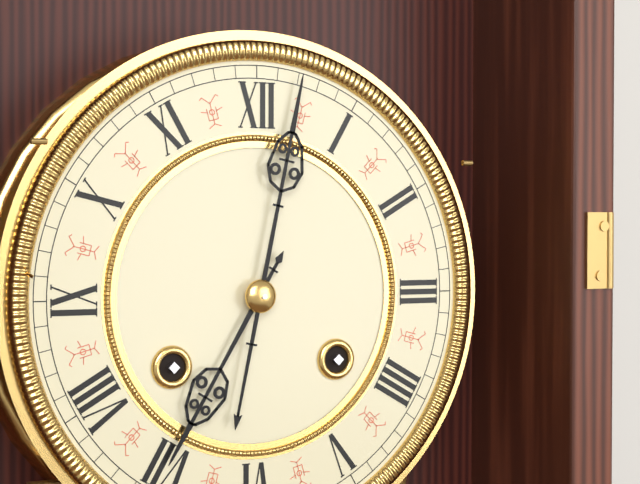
{"hour": 7, "minute": 2}
